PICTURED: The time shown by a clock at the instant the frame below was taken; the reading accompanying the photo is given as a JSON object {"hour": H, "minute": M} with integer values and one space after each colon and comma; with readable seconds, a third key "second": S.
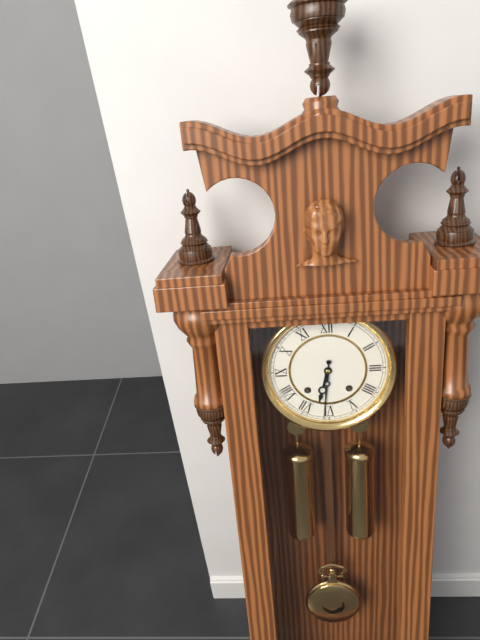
{"hour": 6, "minute": 31}
